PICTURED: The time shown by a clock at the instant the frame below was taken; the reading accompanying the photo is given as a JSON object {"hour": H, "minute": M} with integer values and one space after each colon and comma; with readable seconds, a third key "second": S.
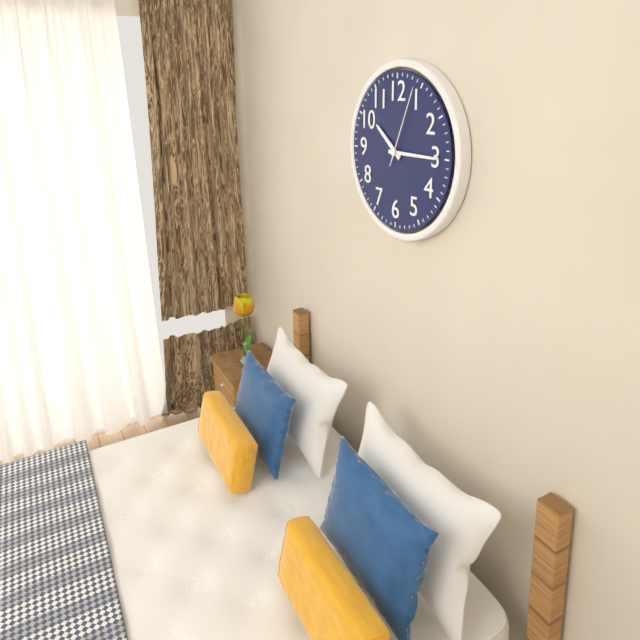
{"hour": 10, "minute": 15, "second": 4}
